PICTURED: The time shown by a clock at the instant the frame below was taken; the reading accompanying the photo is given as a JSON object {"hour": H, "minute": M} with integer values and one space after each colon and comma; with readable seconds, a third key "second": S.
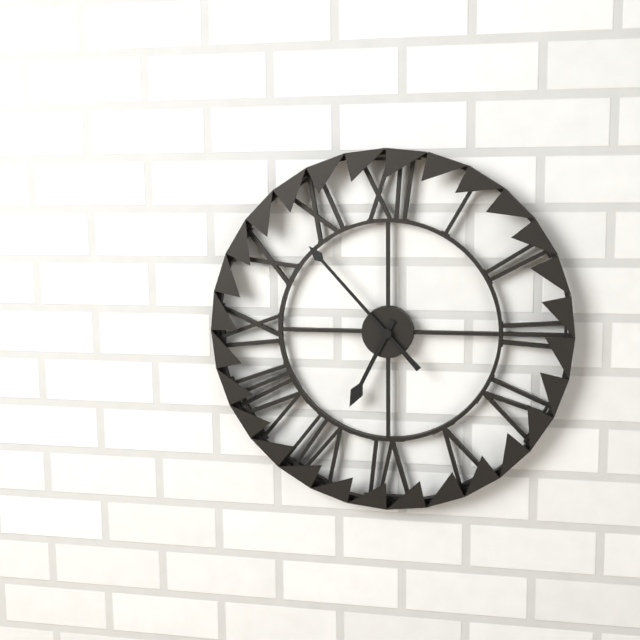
{"hour": 6, "minute": 53}
